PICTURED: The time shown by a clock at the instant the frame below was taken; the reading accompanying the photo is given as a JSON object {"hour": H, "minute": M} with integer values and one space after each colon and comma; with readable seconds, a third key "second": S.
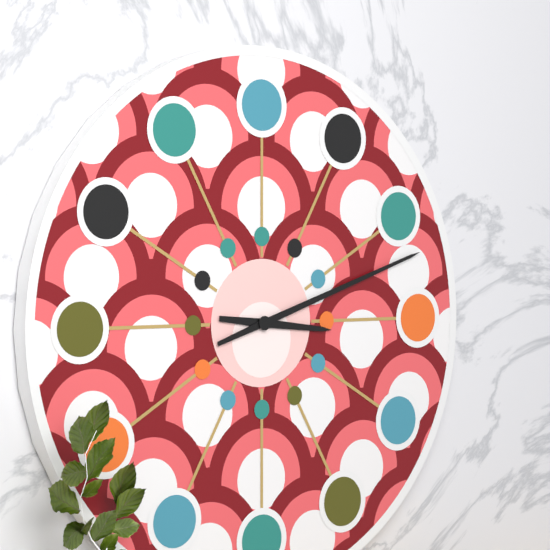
{"hour": 3, "minute": 12}
